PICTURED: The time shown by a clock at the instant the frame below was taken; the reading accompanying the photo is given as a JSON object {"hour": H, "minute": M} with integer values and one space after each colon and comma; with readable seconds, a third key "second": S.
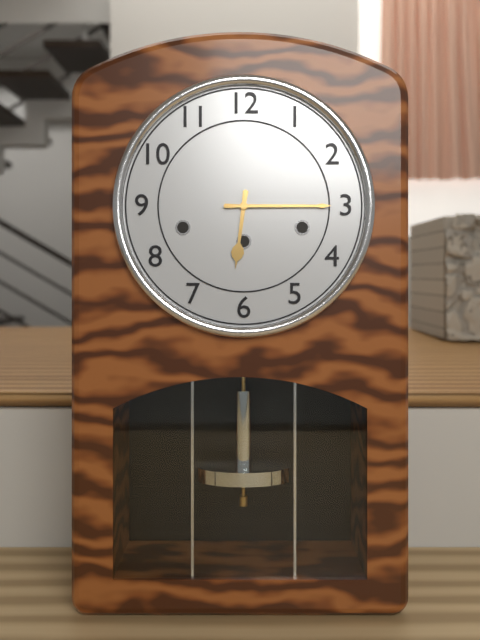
{"hour": 6, "minute": 15}
